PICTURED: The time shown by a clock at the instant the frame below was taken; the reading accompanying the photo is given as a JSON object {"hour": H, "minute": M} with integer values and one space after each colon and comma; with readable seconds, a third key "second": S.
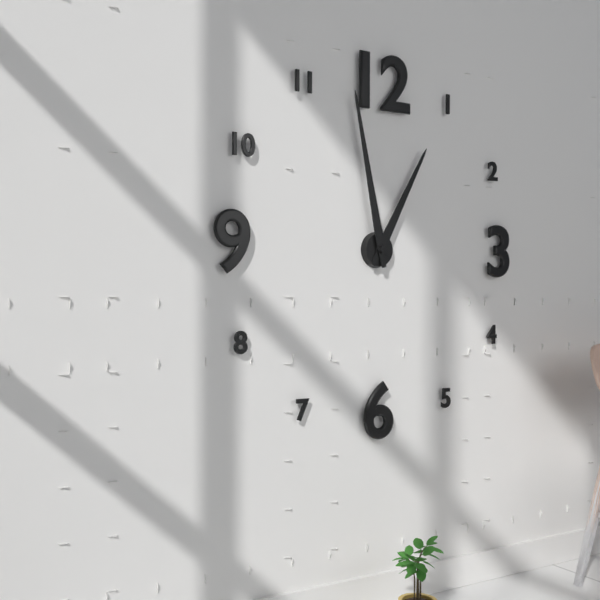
{"hour": 12, "minute": 58}
